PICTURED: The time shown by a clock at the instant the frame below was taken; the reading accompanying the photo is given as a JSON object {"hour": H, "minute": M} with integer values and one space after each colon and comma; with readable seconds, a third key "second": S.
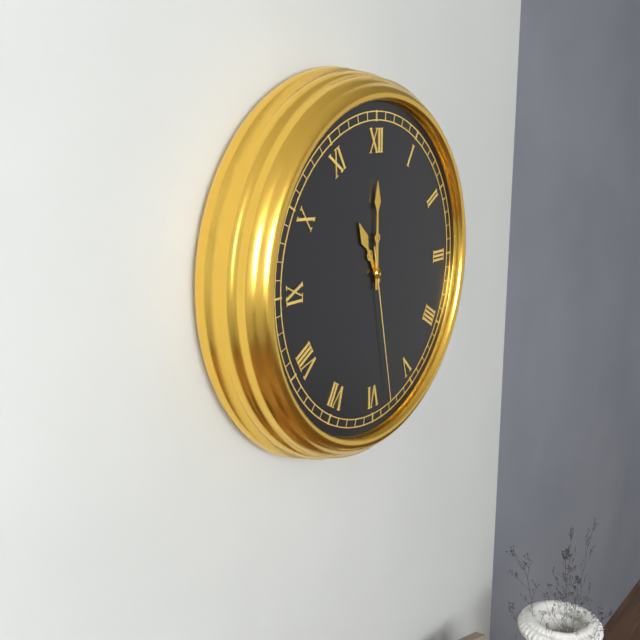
{"hour": 11, "minute": 0, "second": 28}
